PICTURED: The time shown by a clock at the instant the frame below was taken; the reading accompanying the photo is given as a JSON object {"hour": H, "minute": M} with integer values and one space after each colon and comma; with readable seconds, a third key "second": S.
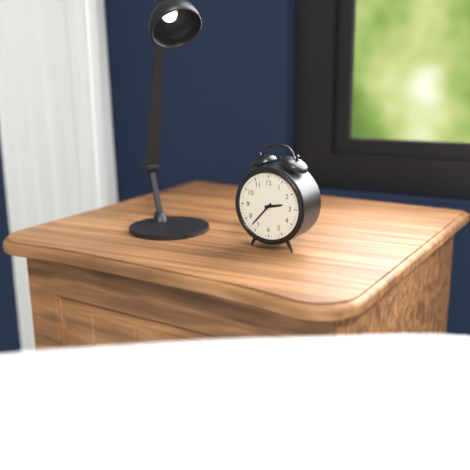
{"hour": 2, "minute": 37}
